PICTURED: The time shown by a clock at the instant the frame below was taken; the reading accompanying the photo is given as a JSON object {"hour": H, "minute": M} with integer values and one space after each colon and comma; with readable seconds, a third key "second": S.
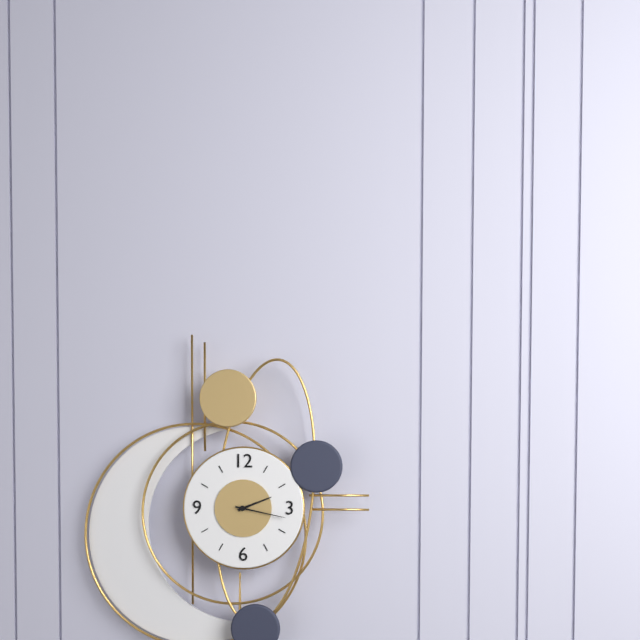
{"hour": 2, "minute": 17}
